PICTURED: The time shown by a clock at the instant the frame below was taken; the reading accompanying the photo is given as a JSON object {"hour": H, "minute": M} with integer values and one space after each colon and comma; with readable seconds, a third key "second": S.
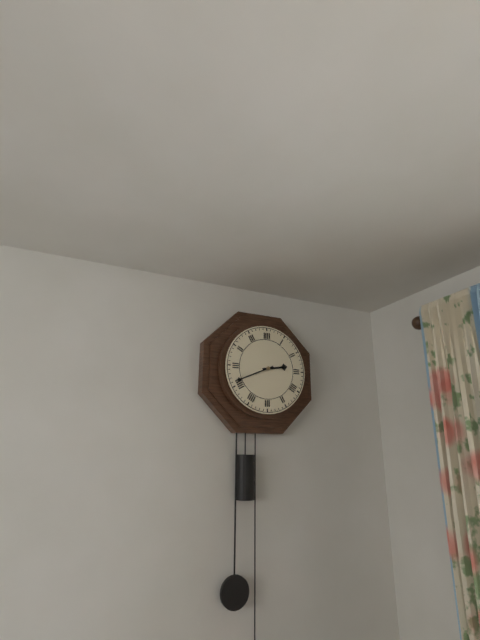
{"hour": 2, "minute": 41}
